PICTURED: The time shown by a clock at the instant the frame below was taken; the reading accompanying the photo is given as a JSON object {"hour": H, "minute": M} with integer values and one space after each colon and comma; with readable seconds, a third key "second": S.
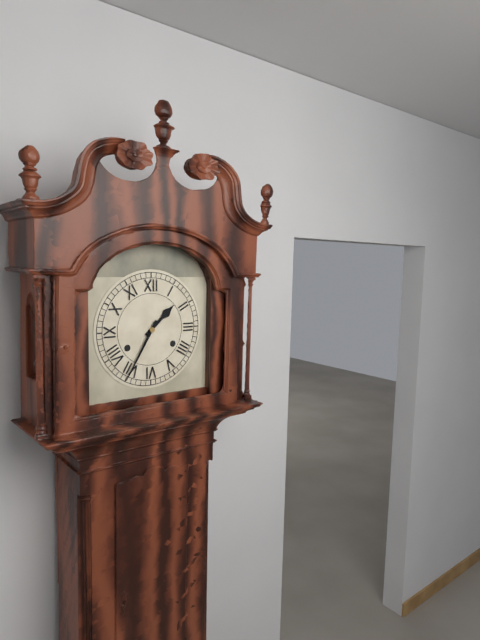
{"hour": 1, "minute": 35}
